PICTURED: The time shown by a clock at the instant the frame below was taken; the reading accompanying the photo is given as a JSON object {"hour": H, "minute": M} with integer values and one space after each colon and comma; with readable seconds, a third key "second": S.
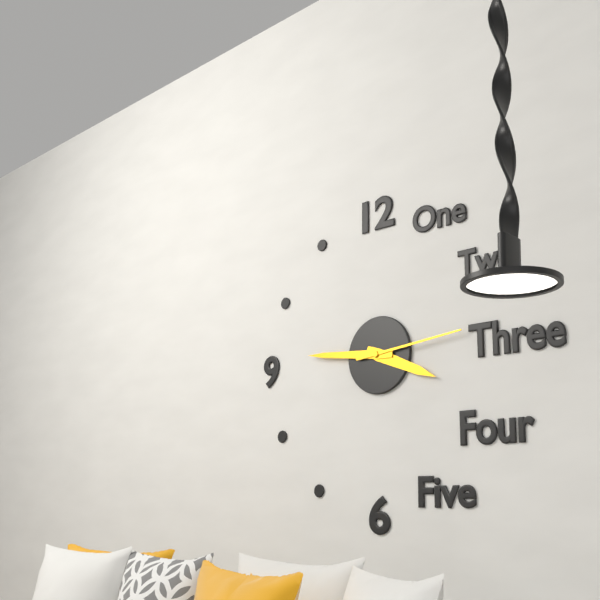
{"hour": 3, "minute": 46, "second": 14}
